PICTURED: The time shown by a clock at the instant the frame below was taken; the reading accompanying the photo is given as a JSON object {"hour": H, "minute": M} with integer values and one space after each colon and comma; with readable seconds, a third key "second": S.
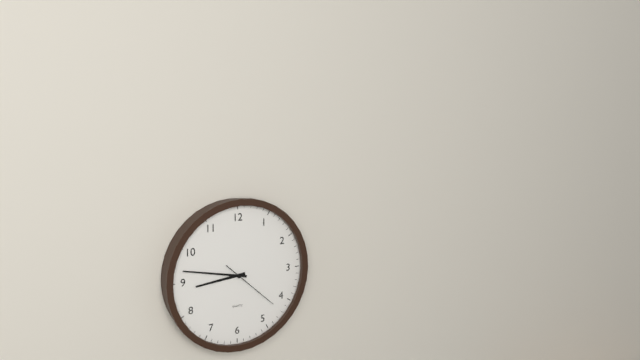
{"hour": 8, "minute": 47, "second": 22}
